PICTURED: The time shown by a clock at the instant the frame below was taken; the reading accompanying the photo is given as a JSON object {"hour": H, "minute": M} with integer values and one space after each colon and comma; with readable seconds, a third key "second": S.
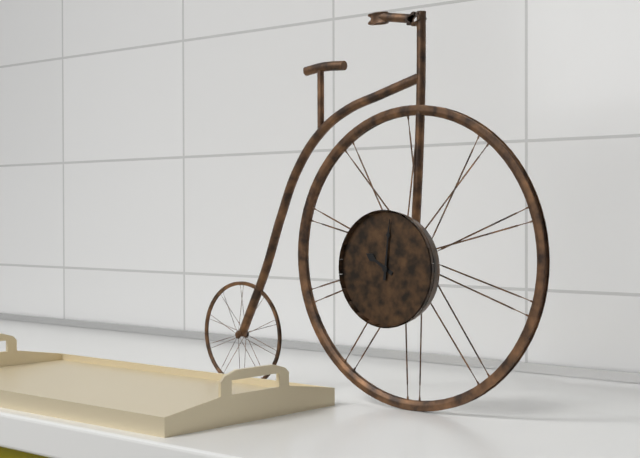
{"hour": 10, "minute": 1}
